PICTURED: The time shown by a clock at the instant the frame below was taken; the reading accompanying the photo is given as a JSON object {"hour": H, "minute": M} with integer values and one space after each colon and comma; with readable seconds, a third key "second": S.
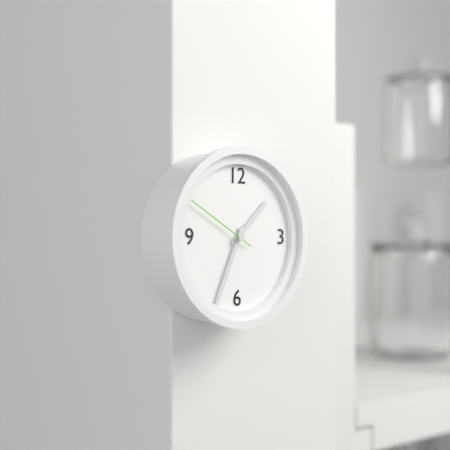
{"hour": 1, "minute": 34, "second": 50}
